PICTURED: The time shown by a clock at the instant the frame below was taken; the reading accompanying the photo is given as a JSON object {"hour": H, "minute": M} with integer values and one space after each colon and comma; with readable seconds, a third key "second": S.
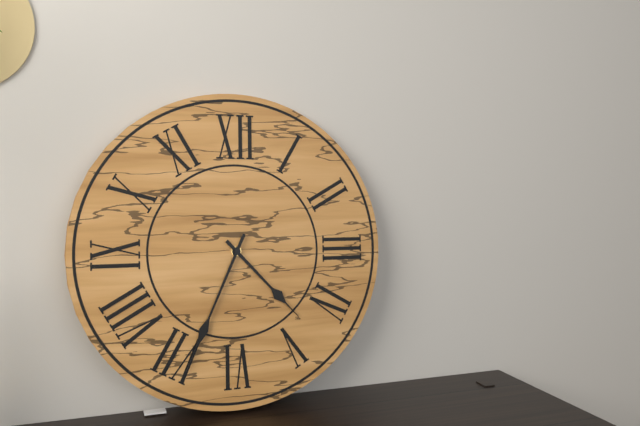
{"hour": 4, "minute": 34}
